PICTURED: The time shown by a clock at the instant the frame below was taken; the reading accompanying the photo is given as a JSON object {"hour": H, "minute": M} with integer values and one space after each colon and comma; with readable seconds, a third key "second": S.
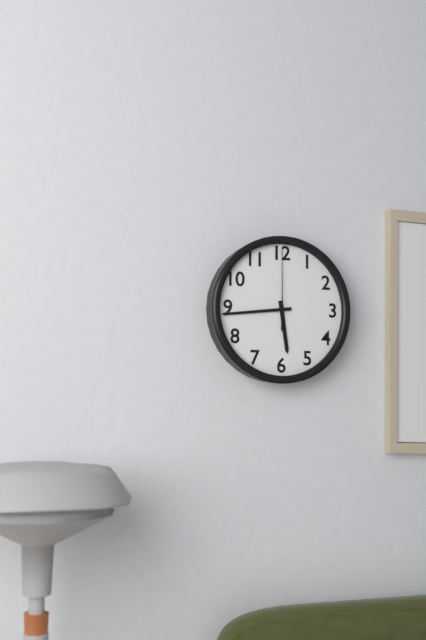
{"hour": 5, "minute": 44, "second": 0}
